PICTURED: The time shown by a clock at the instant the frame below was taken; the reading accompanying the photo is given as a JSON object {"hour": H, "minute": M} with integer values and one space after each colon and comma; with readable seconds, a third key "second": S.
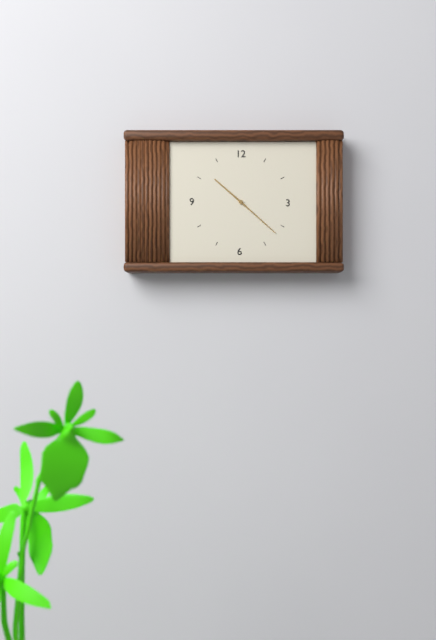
{"hour": 10, "minute": 22}
